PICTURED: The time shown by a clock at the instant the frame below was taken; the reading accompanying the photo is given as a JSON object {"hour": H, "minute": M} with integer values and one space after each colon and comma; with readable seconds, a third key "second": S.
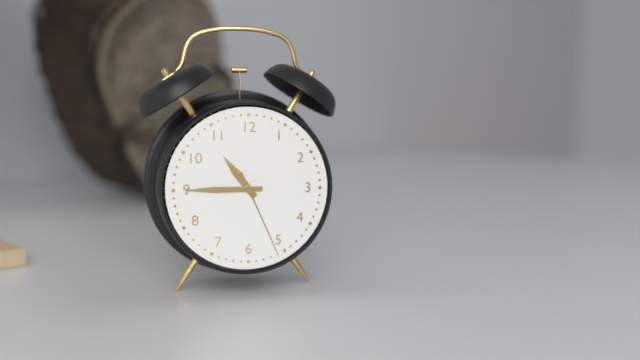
{"hour": 10, "minute": 45, "second": 26}
